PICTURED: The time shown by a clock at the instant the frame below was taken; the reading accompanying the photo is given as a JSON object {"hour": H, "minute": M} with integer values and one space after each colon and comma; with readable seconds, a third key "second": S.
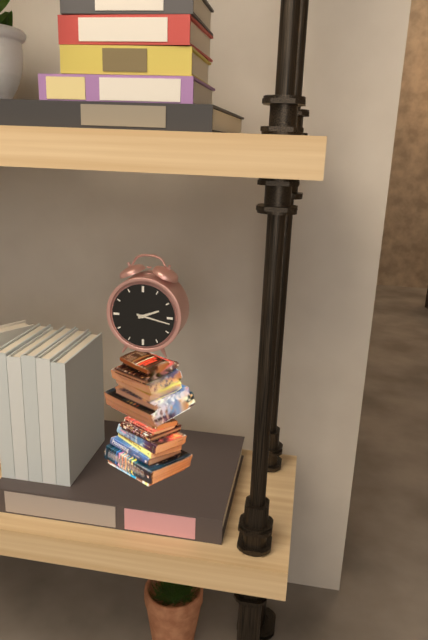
{"hour": 2, "minute": 17}
